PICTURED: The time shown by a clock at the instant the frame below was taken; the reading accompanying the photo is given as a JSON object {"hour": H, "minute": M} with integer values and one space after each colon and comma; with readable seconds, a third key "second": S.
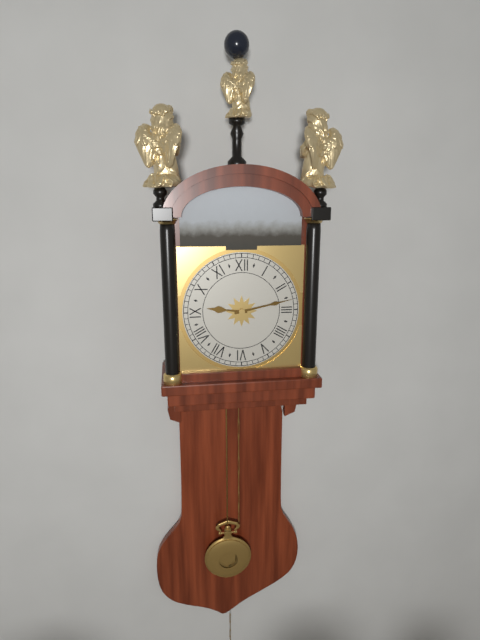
{"hour": 9, "minute": 13}
